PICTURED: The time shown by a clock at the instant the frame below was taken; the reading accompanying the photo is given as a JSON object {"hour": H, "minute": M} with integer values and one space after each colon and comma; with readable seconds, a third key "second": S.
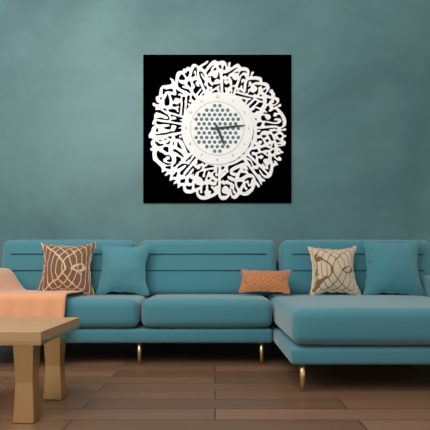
{"hour": 5, "minute": 14}
